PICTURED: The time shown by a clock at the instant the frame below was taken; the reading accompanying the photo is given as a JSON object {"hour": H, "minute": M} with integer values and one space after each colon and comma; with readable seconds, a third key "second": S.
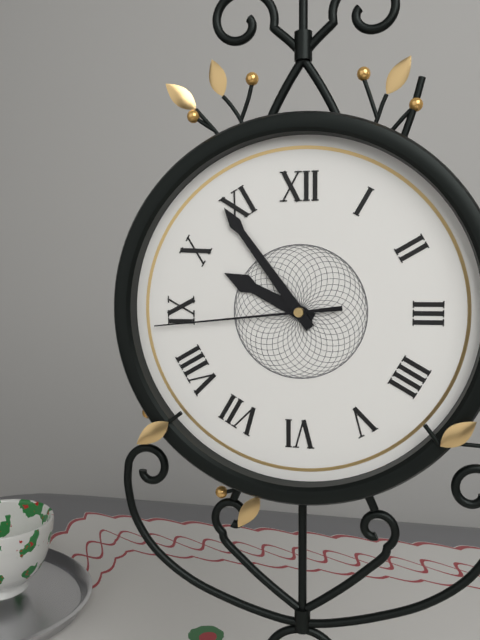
{"hour": 9, "minute": 54, "second": 44}
